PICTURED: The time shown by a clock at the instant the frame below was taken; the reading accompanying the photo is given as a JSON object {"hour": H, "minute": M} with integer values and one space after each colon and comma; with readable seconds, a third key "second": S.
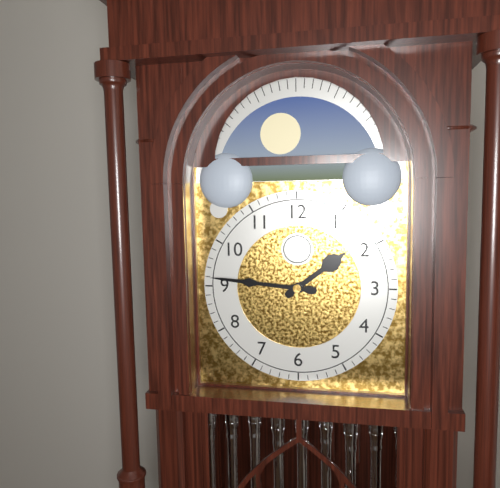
{"hour": 1, "minute": 46}
